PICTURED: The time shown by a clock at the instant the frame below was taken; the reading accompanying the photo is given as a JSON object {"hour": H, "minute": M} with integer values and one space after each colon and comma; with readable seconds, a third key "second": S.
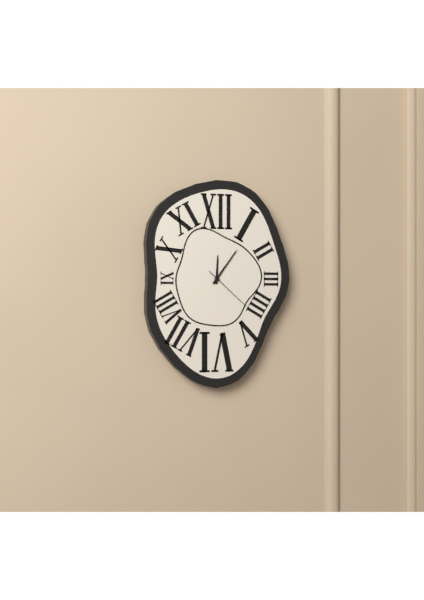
{"hour": 12, "minute": 6, "second": 22}
